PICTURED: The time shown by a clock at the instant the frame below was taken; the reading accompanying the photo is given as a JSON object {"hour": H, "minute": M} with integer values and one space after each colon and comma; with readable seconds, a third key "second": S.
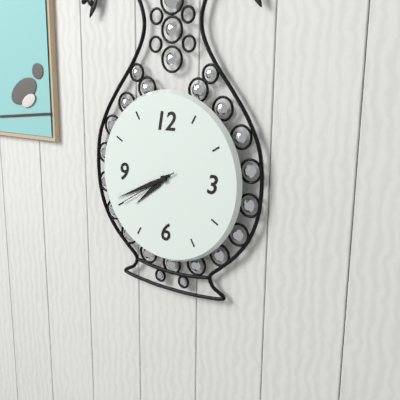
{"hour": 7, "minute": 41, "second": 40}
